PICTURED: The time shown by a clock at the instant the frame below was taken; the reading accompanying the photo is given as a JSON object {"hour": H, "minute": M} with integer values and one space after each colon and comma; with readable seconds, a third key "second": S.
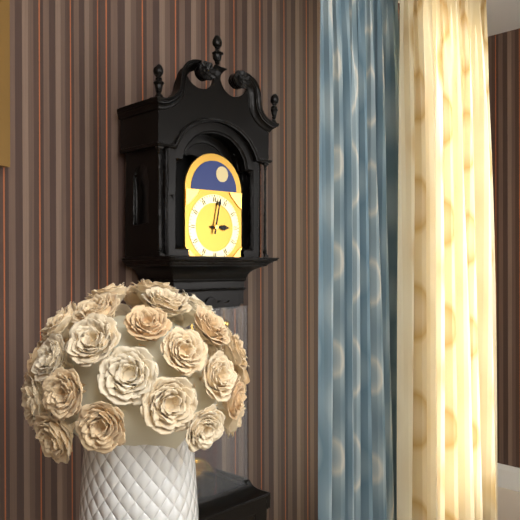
{"hour": 3, "minute": 2}
